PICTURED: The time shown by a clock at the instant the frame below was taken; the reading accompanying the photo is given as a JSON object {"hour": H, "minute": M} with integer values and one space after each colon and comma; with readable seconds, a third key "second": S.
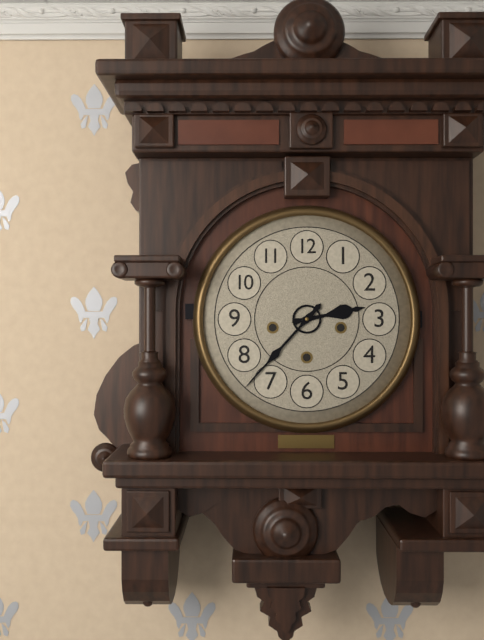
{"hour": 2, "minute": 37}
